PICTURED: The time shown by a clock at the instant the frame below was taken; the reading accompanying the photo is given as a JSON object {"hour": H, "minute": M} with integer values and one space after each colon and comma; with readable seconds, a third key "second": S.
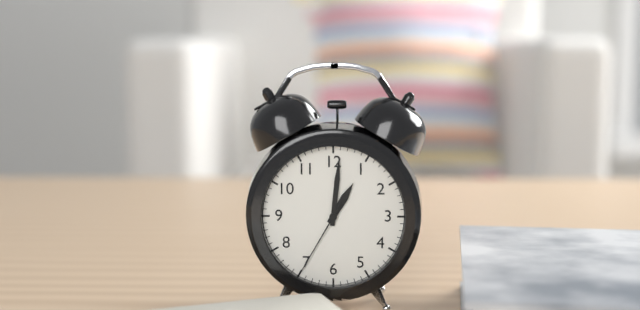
{"hour": 1, "minute": 1, "second": 35}
